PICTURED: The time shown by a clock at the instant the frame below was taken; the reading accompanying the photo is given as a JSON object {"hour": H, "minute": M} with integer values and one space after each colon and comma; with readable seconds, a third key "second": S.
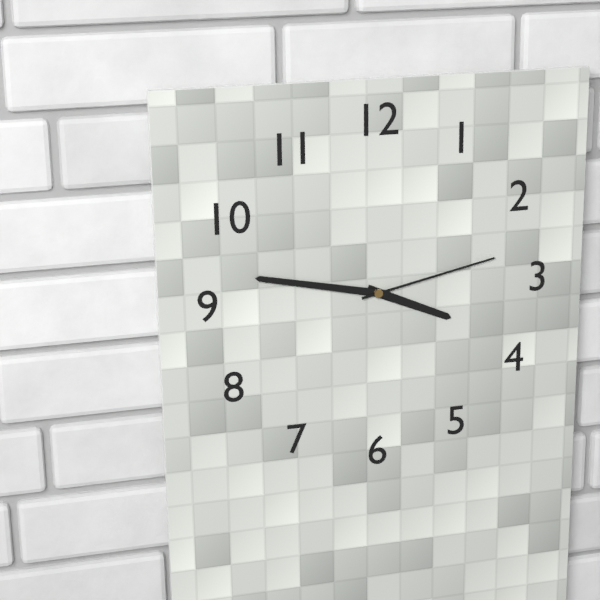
{"hour": 3, "minute": 47, "second": 13}
